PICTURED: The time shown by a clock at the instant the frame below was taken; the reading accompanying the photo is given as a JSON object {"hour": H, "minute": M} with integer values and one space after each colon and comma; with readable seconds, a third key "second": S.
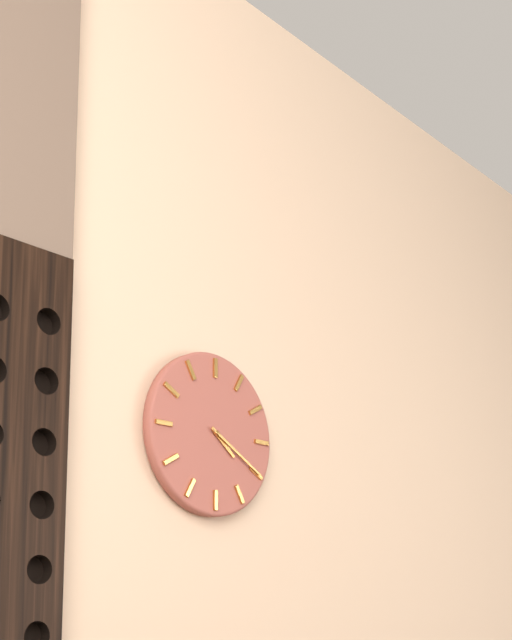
{"hour": 4, "minute": 20}
